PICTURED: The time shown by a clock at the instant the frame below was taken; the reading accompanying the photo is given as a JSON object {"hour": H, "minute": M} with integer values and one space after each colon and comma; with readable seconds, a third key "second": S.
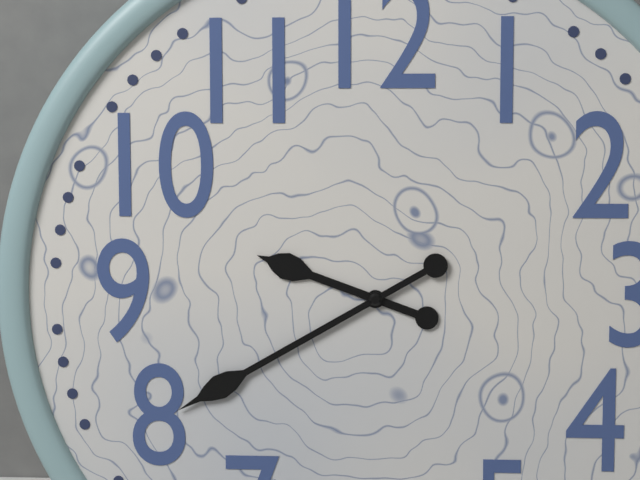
{"hour": 9, "minute": 40}
